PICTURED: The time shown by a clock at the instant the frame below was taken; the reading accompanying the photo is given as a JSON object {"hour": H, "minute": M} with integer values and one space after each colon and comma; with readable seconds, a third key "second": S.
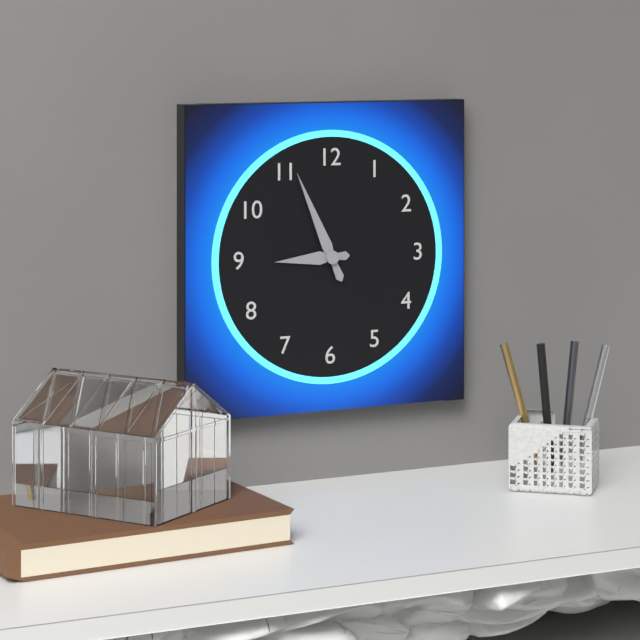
{"hour": 8, "minute": 56}
